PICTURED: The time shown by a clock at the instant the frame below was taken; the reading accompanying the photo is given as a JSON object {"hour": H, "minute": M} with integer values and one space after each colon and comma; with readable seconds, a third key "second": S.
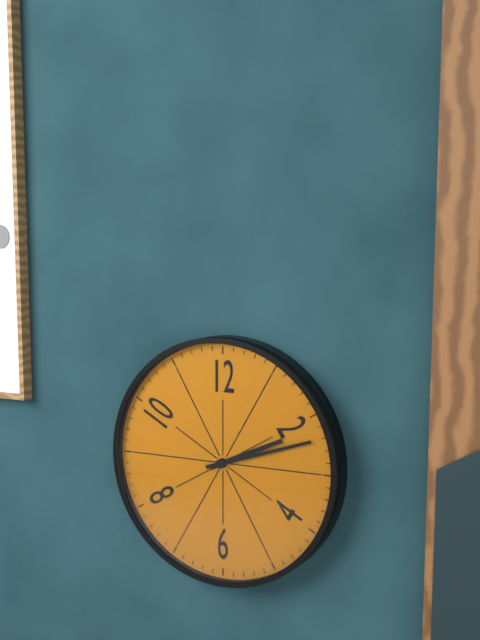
{"hour": 2, "minute": 12}
